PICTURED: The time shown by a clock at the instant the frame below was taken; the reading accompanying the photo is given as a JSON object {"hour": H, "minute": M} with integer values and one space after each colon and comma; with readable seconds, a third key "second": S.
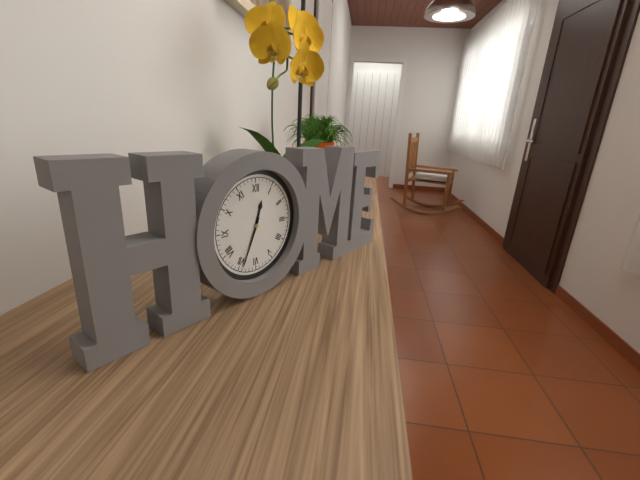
{"hour": 12, "minute": 34}
